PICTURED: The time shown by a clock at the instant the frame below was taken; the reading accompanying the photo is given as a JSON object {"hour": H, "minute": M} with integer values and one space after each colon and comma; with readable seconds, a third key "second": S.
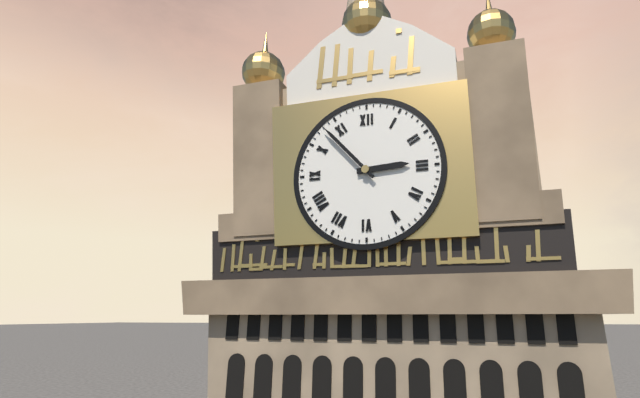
{"hour": 2, "minute": 53}
